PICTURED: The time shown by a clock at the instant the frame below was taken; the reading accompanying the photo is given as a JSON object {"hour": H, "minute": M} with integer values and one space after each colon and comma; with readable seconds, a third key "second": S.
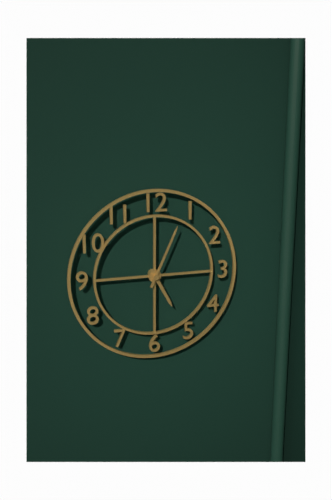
{"hour": 5, "minute": 4}
